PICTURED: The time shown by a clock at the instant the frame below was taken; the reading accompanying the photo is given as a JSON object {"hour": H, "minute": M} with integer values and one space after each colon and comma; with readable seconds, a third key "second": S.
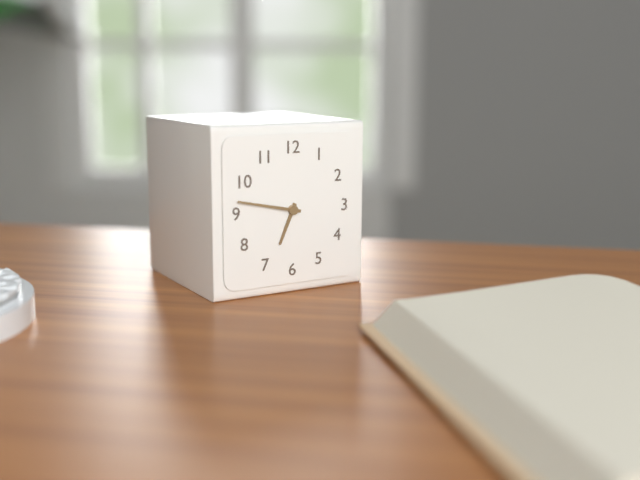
{"hour": 6, "minute": 47}
